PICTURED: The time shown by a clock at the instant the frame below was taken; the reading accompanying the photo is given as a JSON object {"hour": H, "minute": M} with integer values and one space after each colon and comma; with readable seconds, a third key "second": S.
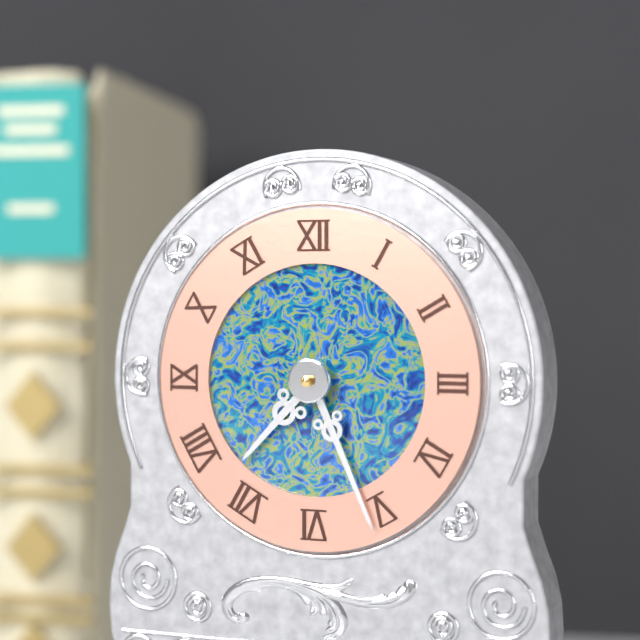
{"hour": 7, "minute": 26}
